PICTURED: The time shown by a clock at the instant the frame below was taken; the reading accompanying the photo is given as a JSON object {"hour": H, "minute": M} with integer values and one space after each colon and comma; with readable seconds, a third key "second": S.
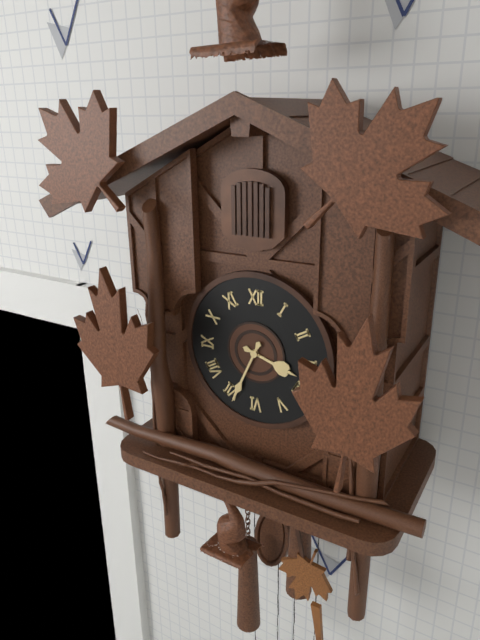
{"hour": 3, "minute": 34}
